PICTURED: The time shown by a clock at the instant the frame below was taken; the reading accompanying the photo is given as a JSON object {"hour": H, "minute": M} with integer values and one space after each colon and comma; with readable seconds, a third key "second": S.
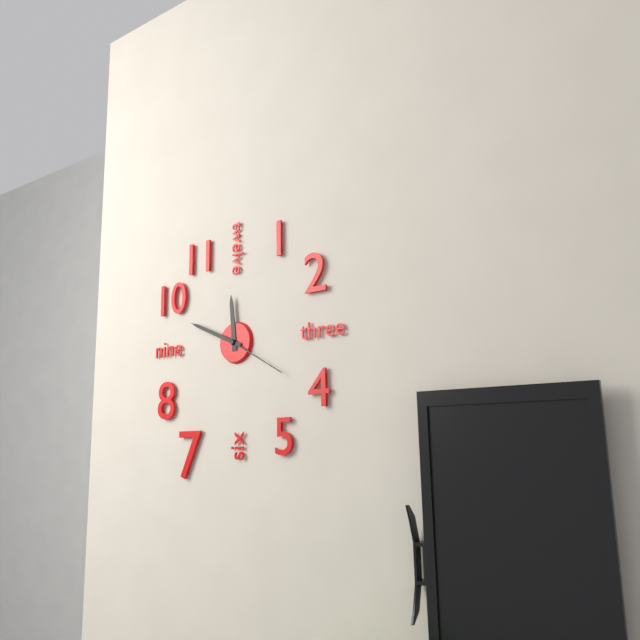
{"hour": 11, "minute": 49, "second": 20}
